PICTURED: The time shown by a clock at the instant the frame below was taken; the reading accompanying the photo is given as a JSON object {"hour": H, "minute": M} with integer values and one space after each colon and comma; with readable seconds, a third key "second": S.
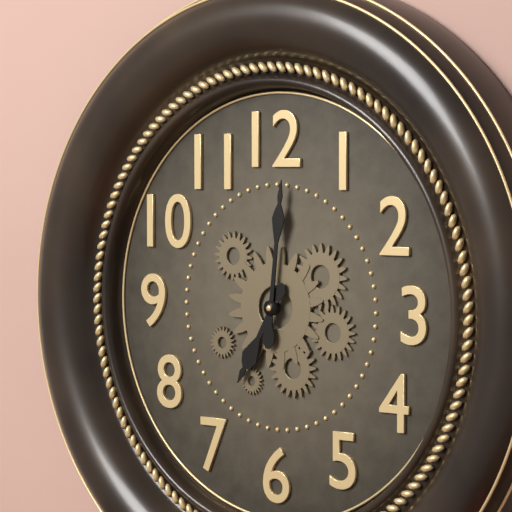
{"hour": 7, "minute": 1}
